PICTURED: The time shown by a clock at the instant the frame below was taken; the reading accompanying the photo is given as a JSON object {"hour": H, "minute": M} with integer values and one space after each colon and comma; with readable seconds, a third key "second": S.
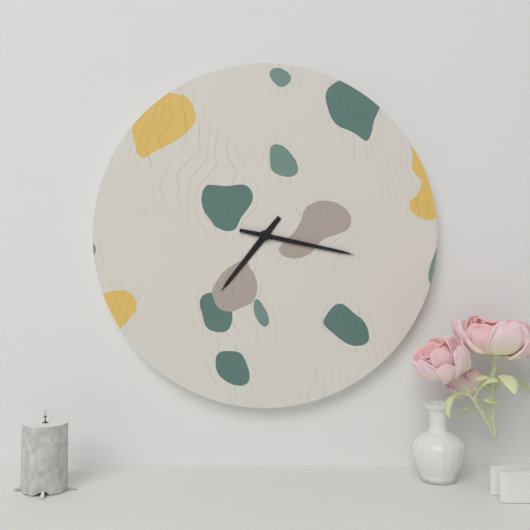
{"hour": 7, "minute": 17}
